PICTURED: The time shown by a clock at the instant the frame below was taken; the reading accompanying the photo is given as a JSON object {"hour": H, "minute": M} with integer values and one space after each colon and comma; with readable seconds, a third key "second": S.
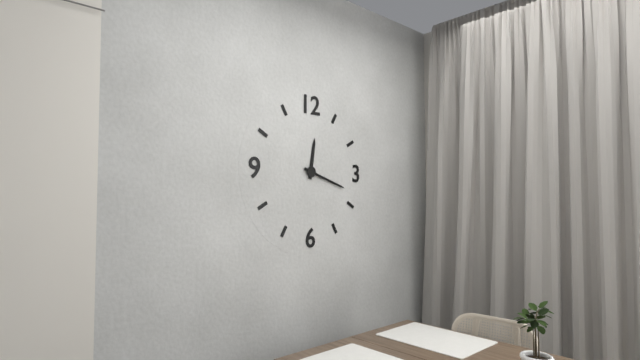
{"hour": 12, "minute": 18}
